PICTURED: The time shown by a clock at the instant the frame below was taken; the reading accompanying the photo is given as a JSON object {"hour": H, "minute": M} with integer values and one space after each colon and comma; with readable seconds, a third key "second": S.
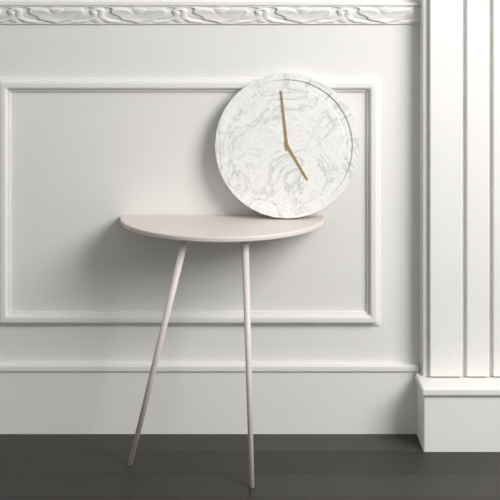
{"hour": 4, "minute": 59}
